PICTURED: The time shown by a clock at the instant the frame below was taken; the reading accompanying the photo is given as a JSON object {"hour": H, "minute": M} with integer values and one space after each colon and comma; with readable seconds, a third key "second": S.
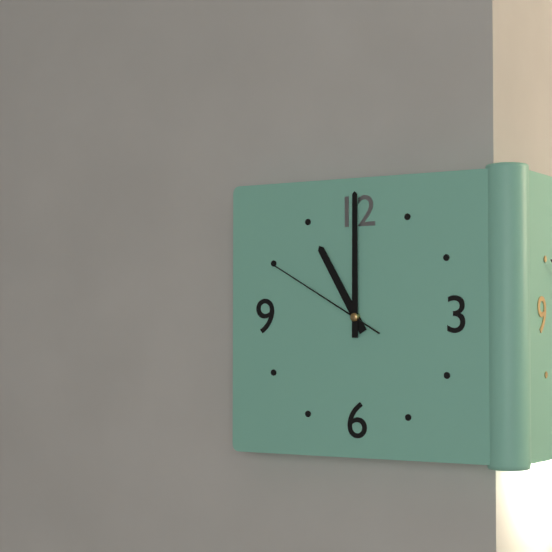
{"hour": 11, "minute": 0, "second": 50}
